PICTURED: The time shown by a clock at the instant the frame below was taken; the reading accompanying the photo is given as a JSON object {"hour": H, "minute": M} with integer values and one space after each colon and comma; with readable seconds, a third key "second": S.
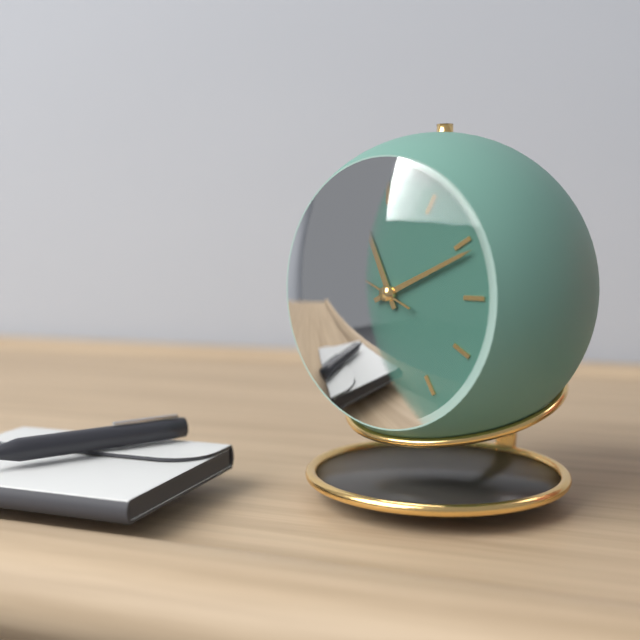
{"hour": 11, "minute": 11, "second": 49}
